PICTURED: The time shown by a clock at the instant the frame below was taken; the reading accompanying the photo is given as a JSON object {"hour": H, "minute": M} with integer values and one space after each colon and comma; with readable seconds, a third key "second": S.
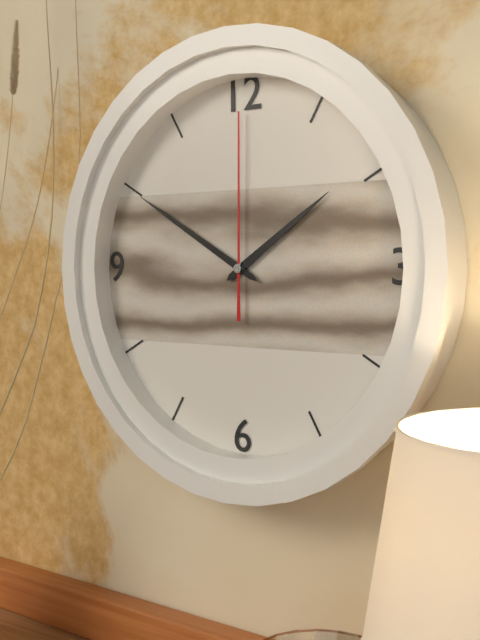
{"hour": 1, "minute": 50, "second": 0}
